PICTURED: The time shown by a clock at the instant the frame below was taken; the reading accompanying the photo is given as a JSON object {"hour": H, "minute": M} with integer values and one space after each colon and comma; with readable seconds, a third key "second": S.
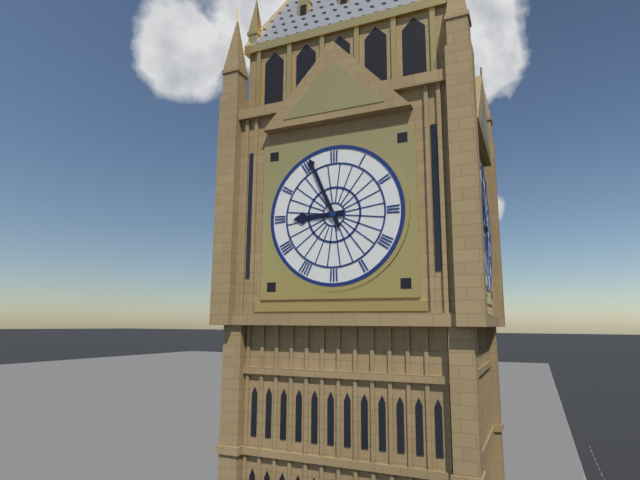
{"hour": 8, "minute": 56}
